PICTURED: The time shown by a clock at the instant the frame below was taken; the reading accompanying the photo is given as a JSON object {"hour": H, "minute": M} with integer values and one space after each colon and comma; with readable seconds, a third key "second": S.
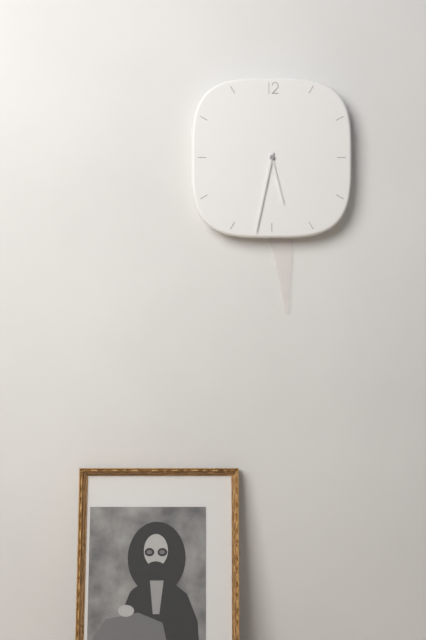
{"hour": 5, "minute": 32}
